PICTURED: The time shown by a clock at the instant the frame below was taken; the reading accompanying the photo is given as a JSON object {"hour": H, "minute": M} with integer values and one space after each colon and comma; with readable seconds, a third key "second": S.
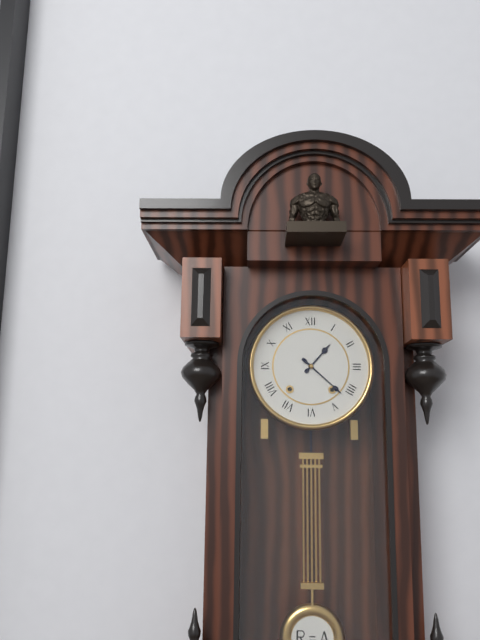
{"hour": 1, "minute": 22}
